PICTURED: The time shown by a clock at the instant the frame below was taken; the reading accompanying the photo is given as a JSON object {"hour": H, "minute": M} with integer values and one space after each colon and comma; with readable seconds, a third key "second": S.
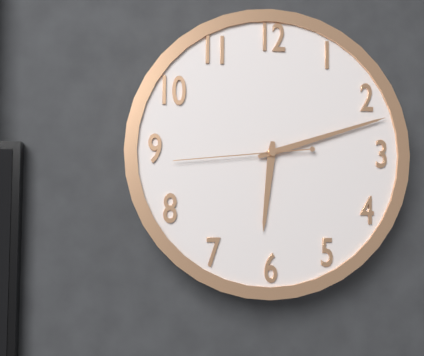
{"hour": 6, "minute": 12, "second": 44}
